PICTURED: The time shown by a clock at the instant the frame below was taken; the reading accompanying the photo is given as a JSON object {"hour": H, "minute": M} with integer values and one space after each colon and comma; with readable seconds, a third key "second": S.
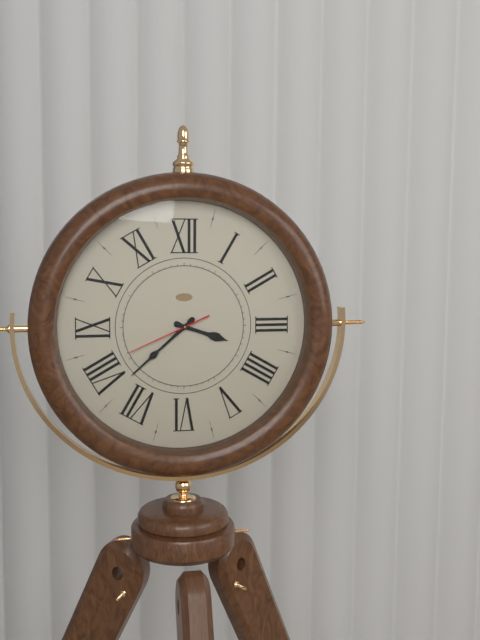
{"hour": 3, "minute": 38, "second": 41}
